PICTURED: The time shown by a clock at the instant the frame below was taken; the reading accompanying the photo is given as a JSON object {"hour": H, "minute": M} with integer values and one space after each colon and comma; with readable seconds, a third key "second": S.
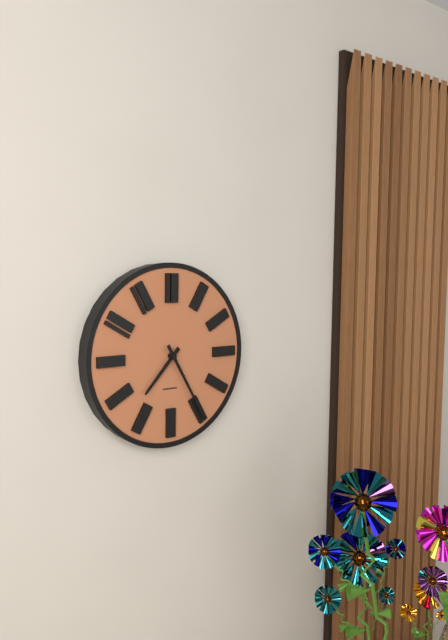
{"hour": 7, "minute": 25}
